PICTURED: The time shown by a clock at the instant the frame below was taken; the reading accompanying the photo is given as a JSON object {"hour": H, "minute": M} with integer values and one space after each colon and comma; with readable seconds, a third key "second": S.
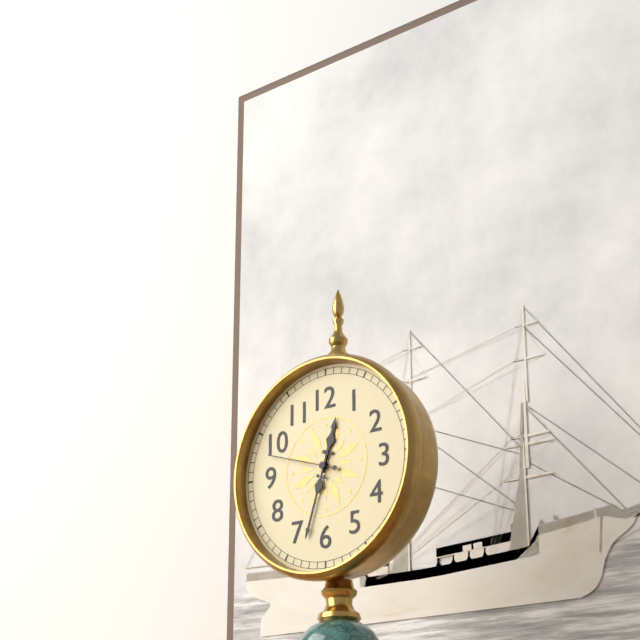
{"hour": 12, "minute": 33, "second": 48}
